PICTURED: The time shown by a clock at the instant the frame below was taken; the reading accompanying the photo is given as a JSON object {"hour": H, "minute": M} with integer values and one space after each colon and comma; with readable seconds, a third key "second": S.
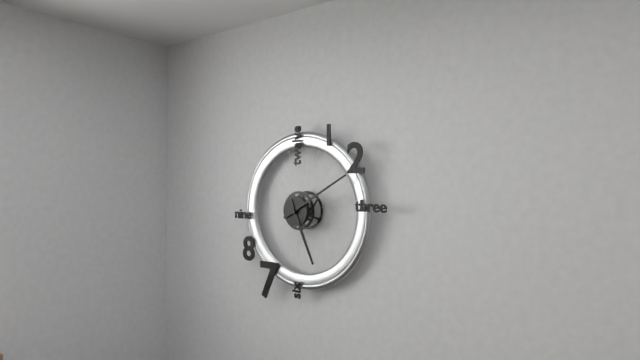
{"hour": 5, "minute": 10}
